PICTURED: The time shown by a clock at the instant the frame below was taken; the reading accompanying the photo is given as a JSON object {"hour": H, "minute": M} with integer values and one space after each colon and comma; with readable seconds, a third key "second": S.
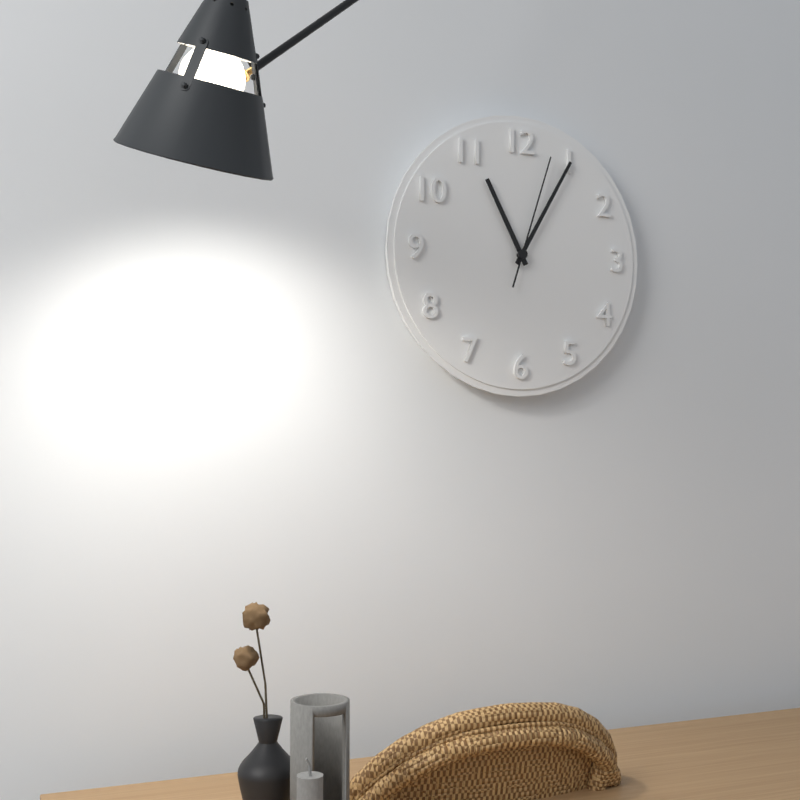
{"hour": 11, "minute": 5, "second": 3}
